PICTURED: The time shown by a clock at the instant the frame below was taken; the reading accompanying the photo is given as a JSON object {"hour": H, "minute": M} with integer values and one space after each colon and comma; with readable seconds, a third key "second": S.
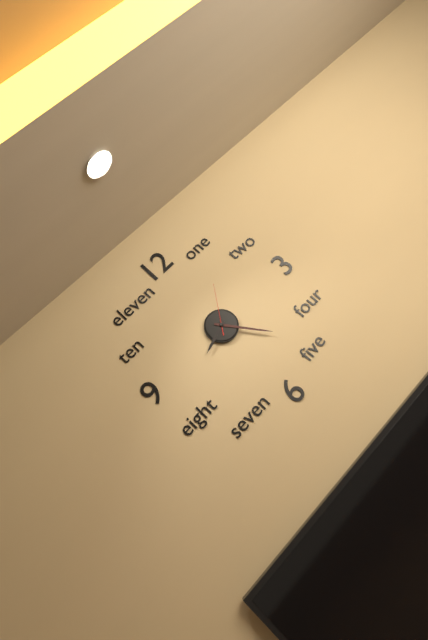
{"hour": 8, "minute": 24, "second": 6}
